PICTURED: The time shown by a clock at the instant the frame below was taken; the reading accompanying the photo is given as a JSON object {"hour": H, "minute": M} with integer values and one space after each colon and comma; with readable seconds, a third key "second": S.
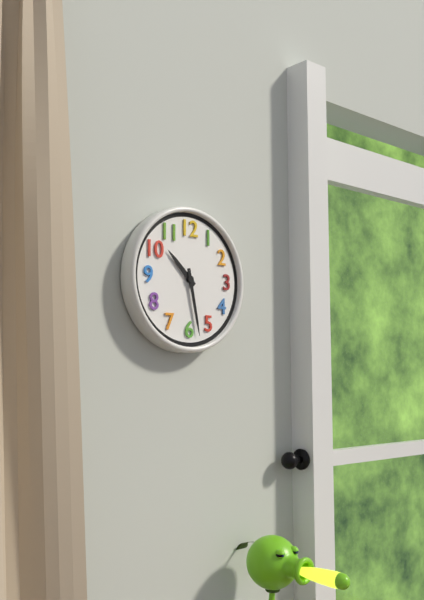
{"hour": 10, "minute": 28}
